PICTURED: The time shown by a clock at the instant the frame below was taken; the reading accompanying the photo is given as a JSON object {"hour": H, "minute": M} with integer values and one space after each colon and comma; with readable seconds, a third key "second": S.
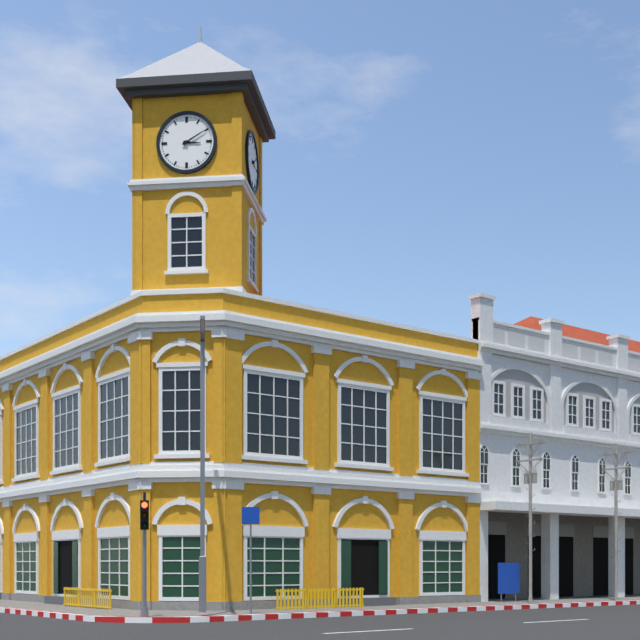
{"hour": 3, "minute": 10}
